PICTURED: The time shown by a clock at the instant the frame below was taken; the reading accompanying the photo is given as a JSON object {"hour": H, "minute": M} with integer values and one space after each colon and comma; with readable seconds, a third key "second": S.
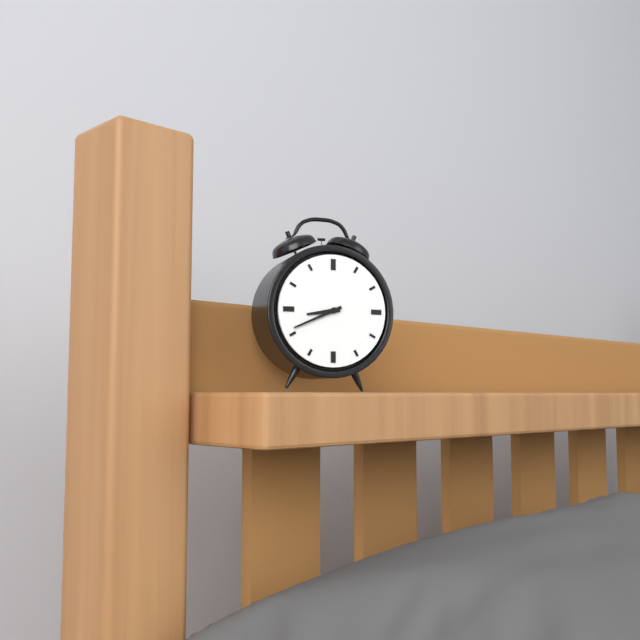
{"hour": 8, "minute": 41}
